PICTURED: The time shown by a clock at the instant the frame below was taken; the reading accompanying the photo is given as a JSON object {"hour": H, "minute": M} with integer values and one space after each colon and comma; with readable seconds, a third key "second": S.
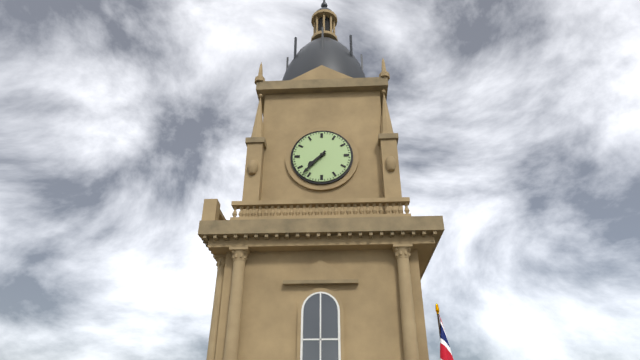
{"hour": 7, "minute": 37}
